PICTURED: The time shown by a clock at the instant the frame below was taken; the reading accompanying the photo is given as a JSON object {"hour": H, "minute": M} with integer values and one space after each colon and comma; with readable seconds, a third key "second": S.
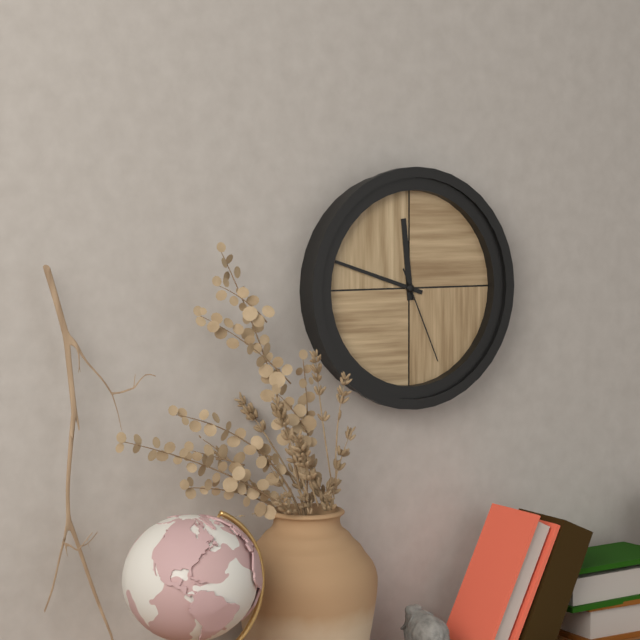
{"hour": 11, "minute": 48, "second": 26}
